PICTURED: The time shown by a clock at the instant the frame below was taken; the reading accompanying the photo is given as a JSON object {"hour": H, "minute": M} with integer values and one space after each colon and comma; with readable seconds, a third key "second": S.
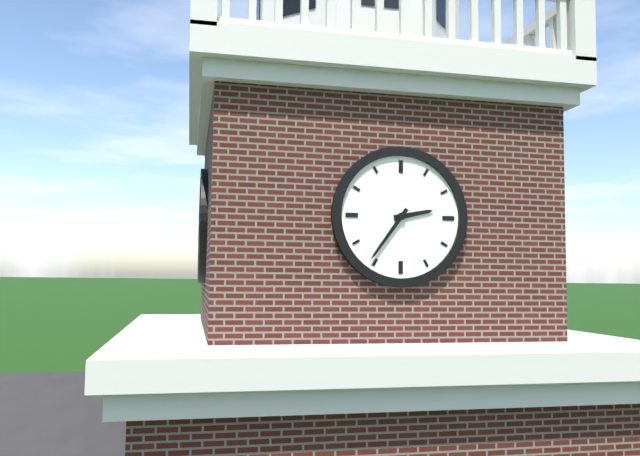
{"hour": 2, "minute": 36}
